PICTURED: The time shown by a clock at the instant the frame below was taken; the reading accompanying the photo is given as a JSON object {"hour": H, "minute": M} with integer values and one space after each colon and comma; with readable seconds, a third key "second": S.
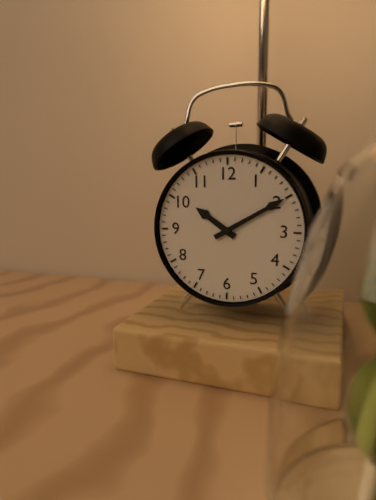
{"hour": 10, "minute": 10}
